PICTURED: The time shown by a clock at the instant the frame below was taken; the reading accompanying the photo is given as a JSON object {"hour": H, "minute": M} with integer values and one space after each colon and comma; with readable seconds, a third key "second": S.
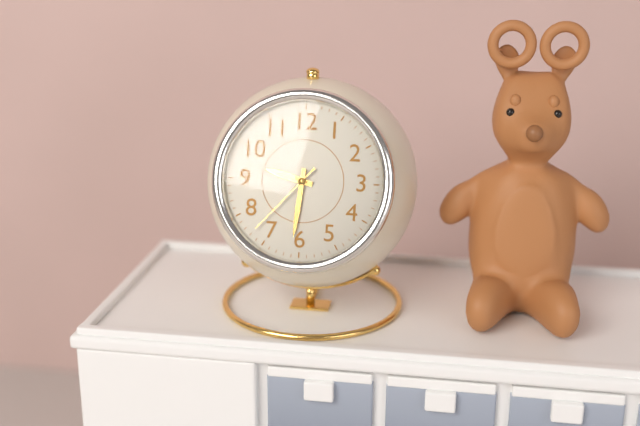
{"hour": 9, "minute": 31, "second": 37}
